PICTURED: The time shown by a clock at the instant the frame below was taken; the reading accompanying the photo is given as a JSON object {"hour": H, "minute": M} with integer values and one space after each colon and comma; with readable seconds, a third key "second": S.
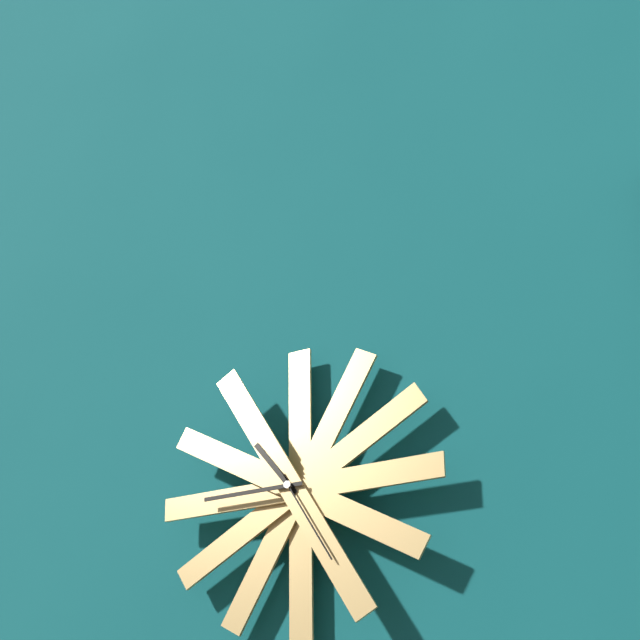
{"hour": 10, "minute": 45, "second": 25}
